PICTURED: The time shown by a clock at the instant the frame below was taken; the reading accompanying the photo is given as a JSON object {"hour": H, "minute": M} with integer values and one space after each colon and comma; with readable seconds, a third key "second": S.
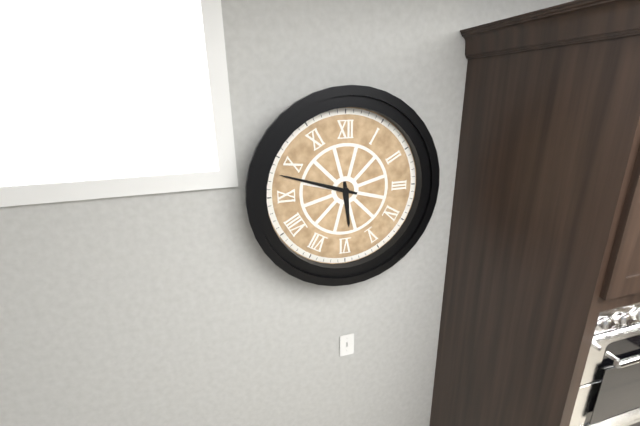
{"hour": 5, "minute": 48}
